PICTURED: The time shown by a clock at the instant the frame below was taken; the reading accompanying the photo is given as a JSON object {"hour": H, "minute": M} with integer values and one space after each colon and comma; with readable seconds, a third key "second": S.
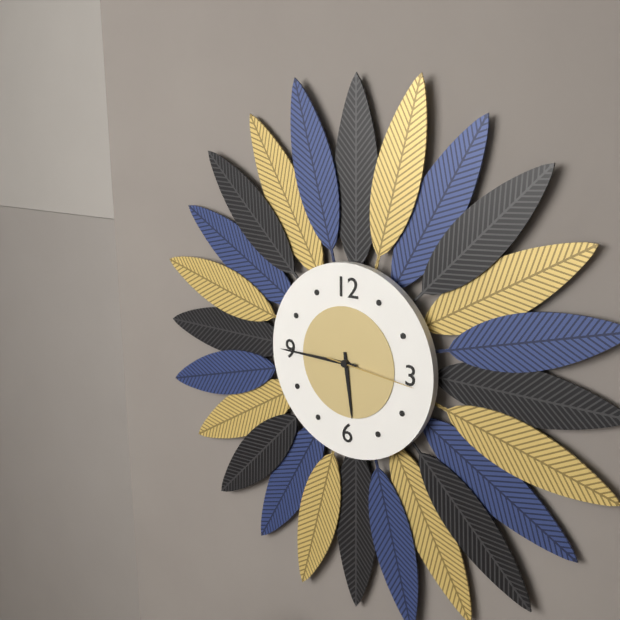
{"hour": 5, "minute": 45, "second": 16}
